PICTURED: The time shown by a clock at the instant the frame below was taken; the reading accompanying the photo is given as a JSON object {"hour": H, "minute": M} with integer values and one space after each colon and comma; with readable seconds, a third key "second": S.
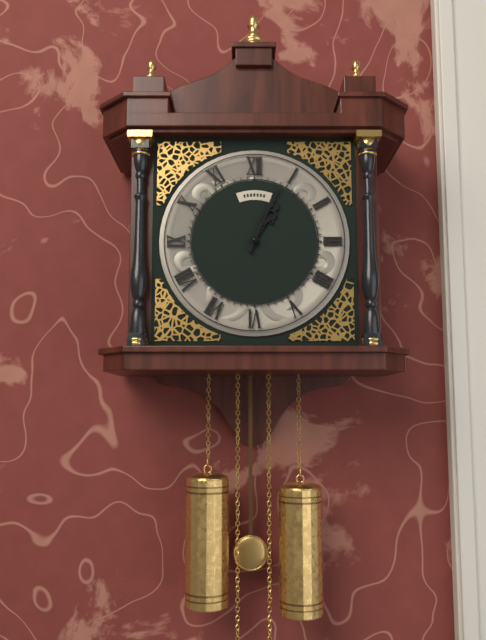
{"hour": 1, "minute": 4}
